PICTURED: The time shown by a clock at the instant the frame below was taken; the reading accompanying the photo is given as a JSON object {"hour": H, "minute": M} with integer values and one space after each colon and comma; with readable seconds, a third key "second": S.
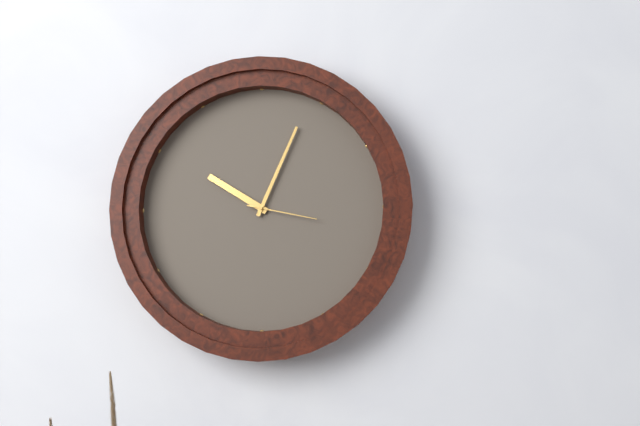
{"hour": 10, "minute": 4, "second": 17}
